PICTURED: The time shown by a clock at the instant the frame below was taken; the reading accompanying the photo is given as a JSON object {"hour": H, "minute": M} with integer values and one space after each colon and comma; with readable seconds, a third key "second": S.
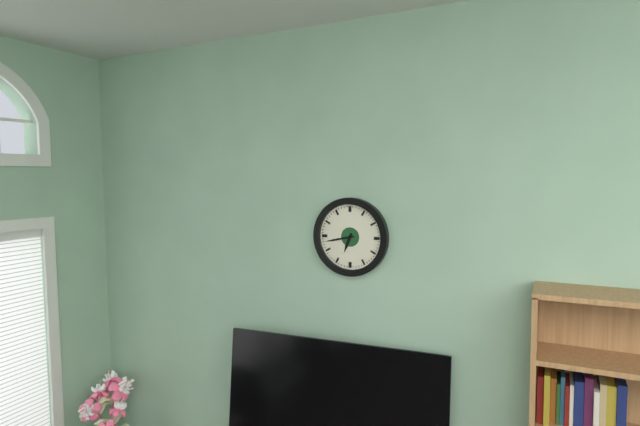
{"hour": 6, "minute": 43}
